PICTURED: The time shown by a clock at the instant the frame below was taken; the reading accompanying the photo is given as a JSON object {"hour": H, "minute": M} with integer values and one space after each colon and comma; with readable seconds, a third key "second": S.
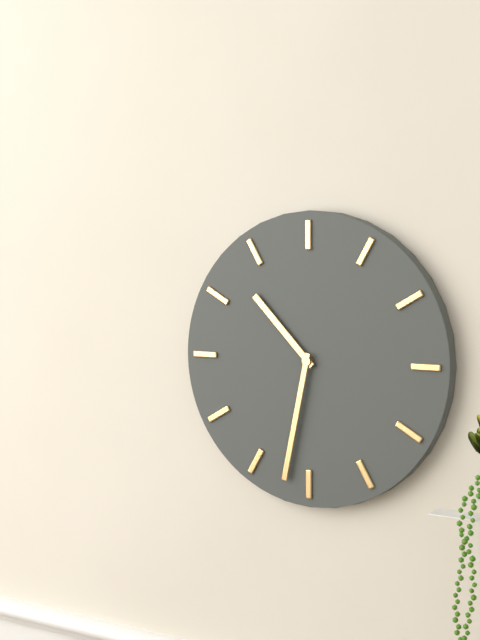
{"hour": 10, "minute": 32}
